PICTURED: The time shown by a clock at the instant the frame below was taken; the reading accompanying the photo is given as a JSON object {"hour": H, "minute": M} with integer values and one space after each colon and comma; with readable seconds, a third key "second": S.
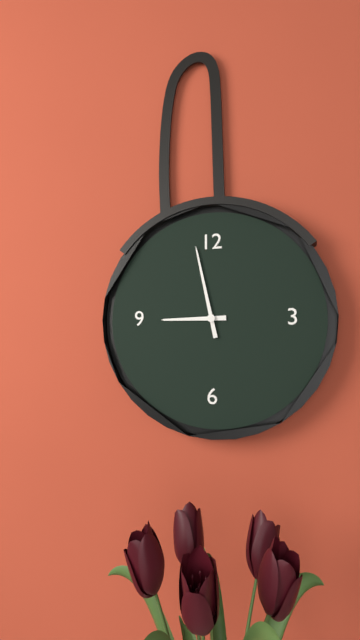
{"hour": 8, "minute": 58}
